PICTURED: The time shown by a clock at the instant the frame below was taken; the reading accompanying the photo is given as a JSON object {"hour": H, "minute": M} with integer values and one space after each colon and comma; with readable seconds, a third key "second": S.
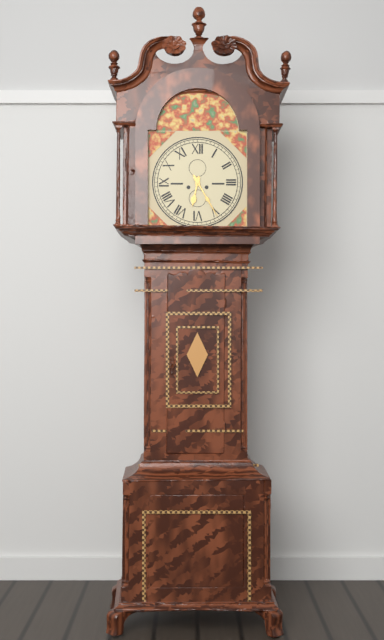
{"hour": 6, "minute": 25}
